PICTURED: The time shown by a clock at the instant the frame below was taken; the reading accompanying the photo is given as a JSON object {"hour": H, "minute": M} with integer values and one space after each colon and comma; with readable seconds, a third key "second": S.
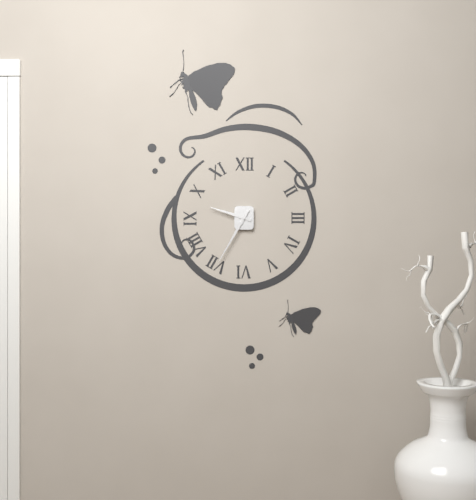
{"hour": 9, "minute": 35}
